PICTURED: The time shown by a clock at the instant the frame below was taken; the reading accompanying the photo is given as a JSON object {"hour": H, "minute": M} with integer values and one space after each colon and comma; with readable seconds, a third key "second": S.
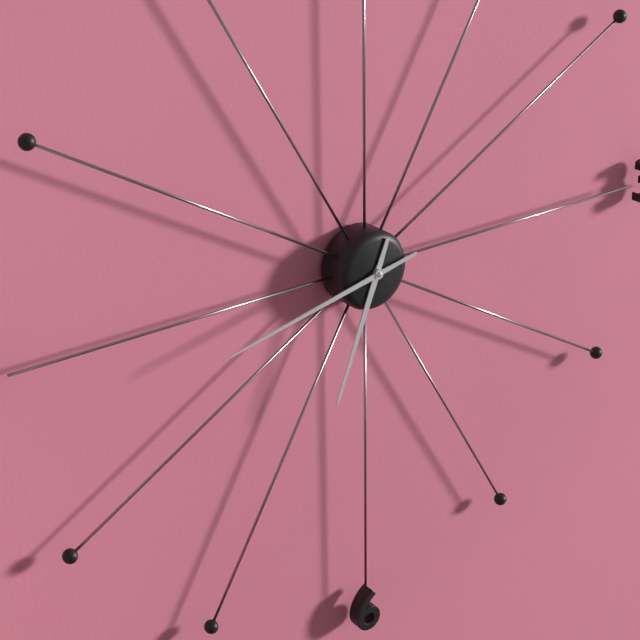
{"hour": 6, "minute": 43}
